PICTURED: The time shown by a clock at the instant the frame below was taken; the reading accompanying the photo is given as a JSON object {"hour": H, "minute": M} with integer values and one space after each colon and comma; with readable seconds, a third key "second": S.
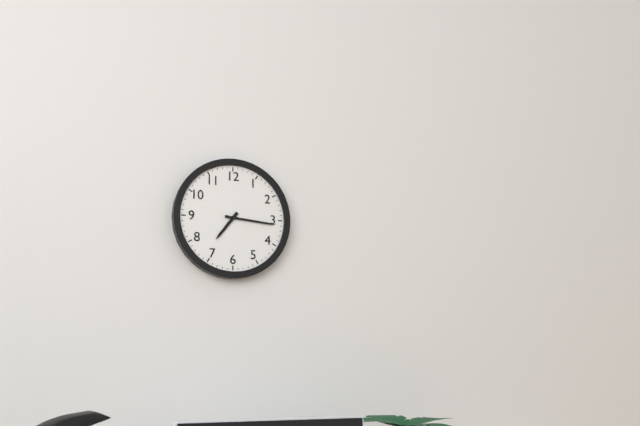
{"hour": 7, "minute": 16}
